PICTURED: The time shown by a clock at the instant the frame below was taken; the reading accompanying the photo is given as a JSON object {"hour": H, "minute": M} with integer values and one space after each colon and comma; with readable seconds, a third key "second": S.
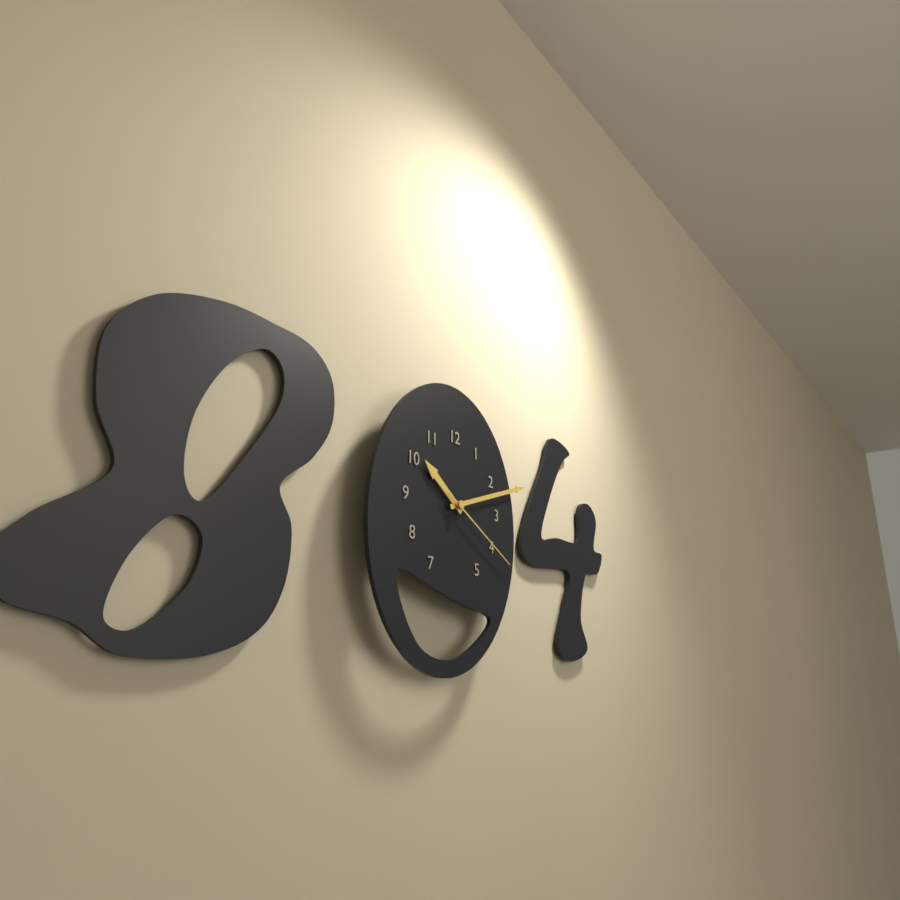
{"hour": 10, "minute": 12, "second": 20}
